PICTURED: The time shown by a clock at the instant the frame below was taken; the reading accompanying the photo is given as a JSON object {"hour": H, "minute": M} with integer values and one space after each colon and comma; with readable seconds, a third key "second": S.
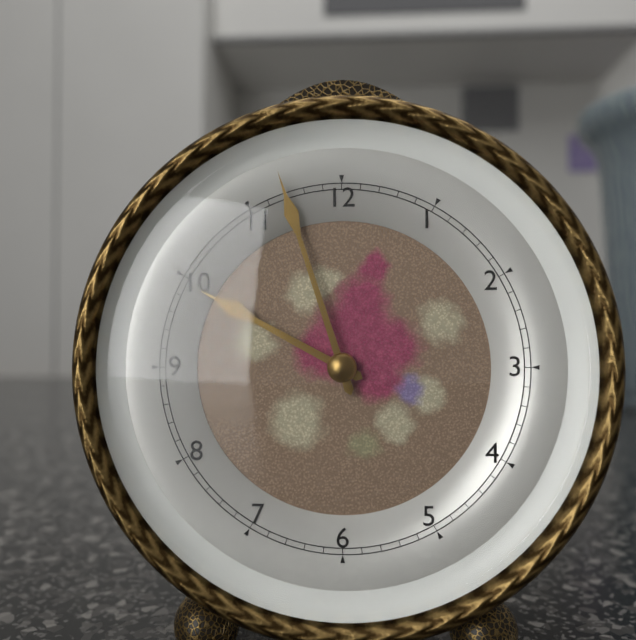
{"hour": 9, "minute": 57}
